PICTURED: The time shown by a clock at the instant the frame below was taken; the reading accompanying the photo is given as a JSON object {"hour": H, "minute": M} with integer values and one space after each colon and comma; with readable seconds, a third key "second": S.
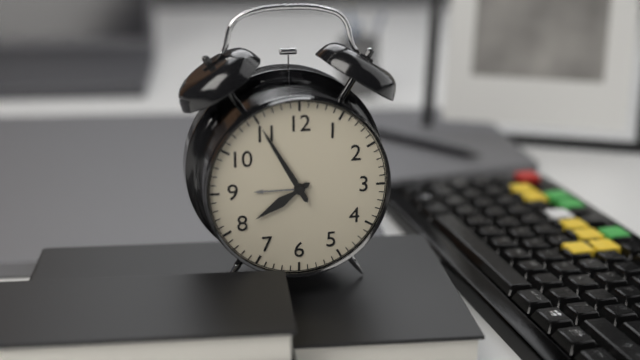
{"hour": 7, "minute": 55}
